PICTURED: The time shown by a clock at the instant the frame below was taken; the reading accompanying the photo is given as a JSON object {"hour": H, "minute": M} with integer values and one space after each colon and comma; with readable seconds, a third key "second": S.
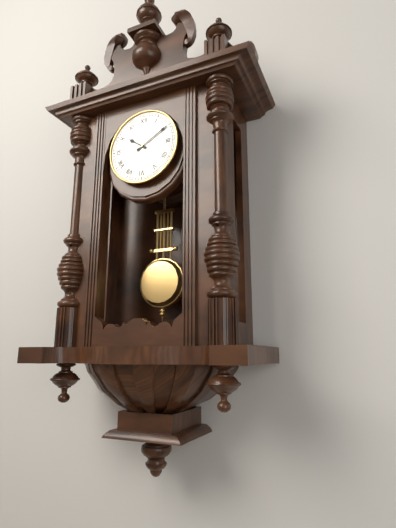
{"hour": 10, "minute": 10}
